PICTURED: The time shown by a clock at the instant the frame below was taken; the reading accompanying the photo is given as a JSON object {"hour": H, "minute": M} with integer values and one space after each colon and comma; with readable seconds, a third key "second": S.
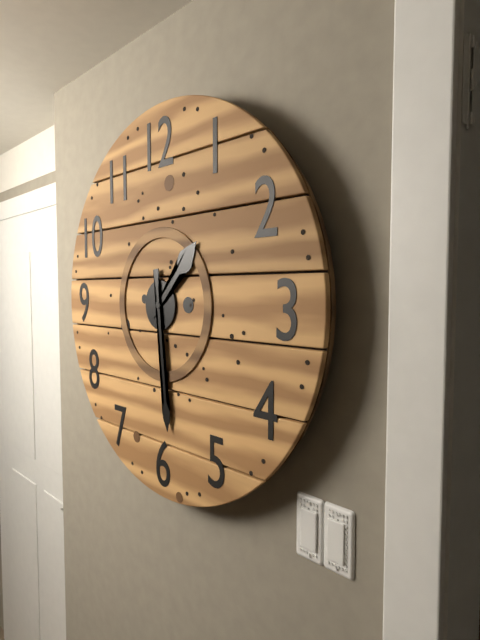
{"hour": 1, "minute": 29}
